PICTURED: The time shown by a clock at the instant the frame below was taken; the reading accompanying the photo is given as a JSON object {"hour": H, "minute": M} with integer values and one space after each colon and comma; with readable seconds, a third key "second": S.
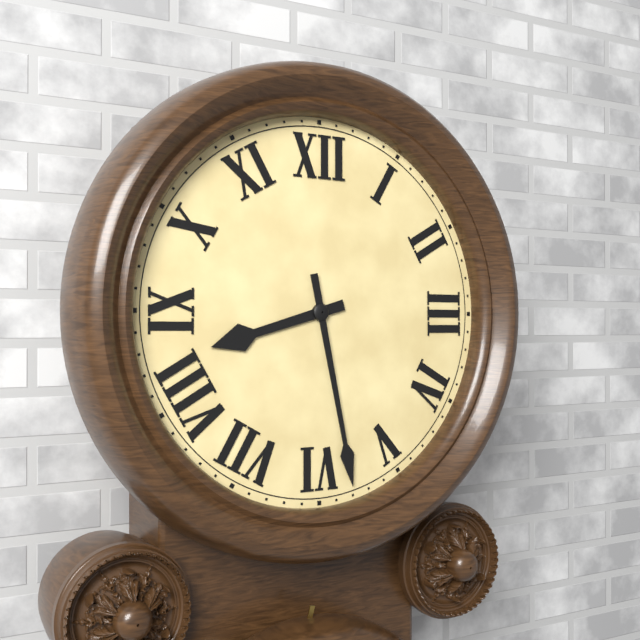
{"hour": 8, "minute": 28}
